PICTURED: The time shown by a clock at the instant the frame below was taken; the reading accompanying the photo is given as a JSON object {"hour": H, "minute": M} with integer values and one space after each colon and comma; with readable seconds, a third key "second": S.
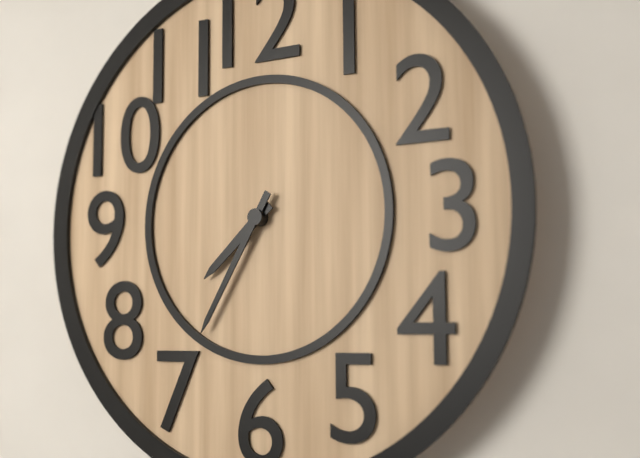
{"hour": 7, "minute": 35}
